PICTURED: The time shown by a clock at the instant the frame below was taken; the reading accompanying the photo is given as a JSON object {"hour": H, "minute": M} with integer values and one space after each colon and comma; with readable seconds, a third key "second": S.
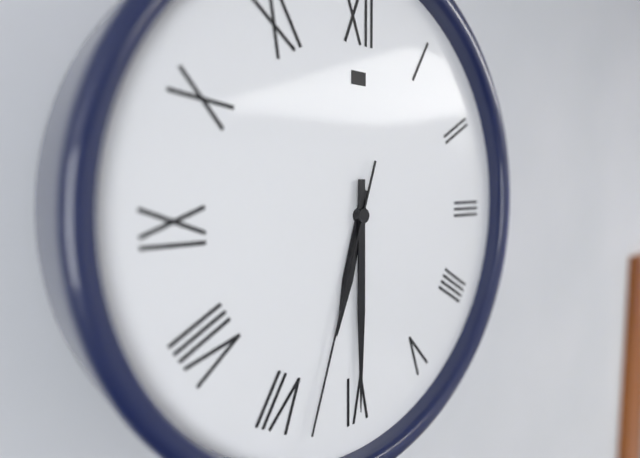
{"hour": 6, "minute": 30, "second": 33}
